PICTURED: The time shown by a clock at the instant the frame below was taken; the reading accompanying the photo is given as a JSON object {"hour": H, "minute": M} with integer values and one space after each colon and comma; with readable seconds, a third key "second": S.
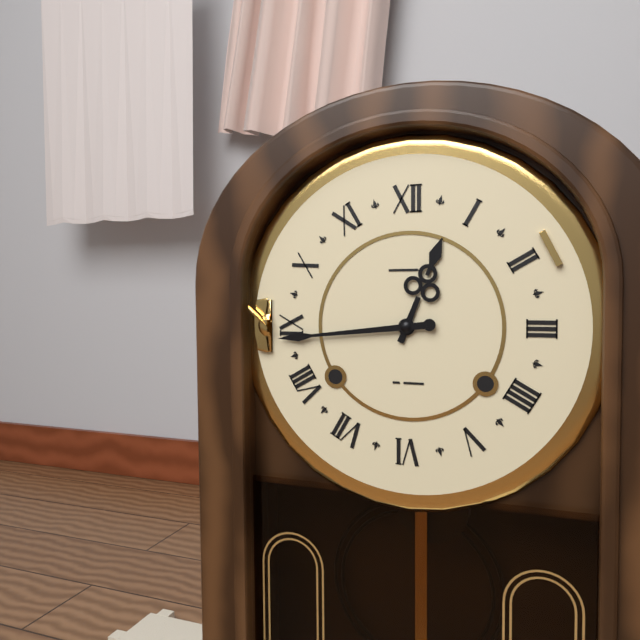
{"hour": 12, "minute": 44}
